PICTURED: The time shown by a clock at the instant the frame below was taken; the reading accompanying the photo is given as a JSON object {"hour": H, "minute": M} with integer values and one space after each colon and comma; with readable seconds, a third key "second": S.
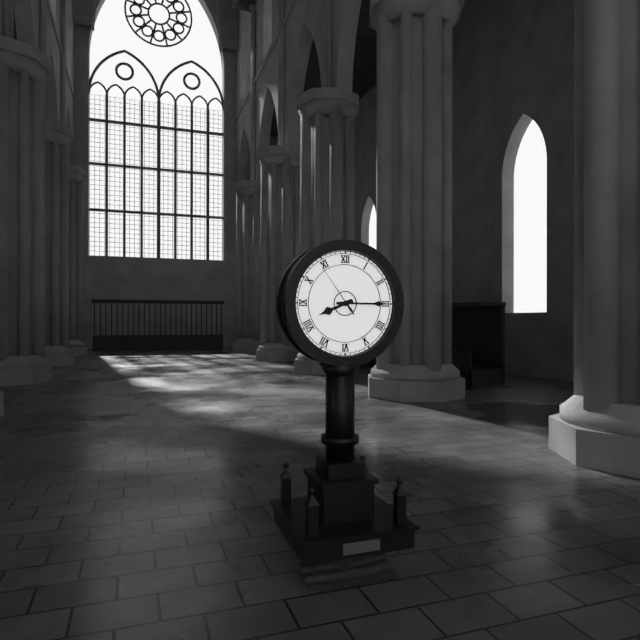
{"hour": 8, "minute": 15, "second": 54}
